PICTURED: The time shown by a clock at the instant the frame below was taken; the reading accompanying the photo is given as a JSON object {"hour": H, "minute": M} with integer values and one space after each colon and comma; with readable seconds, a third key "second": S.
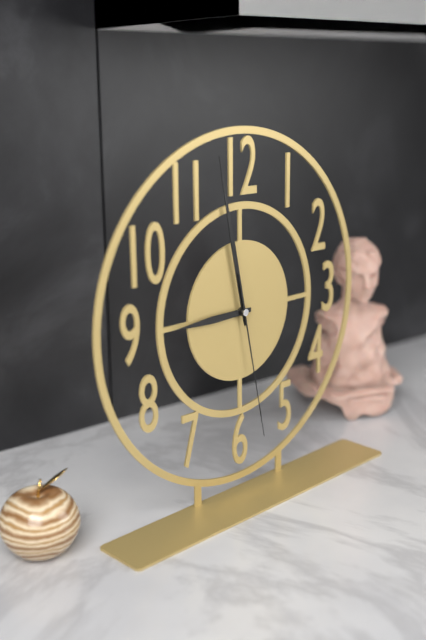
{"hour": 8, "minute": 58, "second": 28}
